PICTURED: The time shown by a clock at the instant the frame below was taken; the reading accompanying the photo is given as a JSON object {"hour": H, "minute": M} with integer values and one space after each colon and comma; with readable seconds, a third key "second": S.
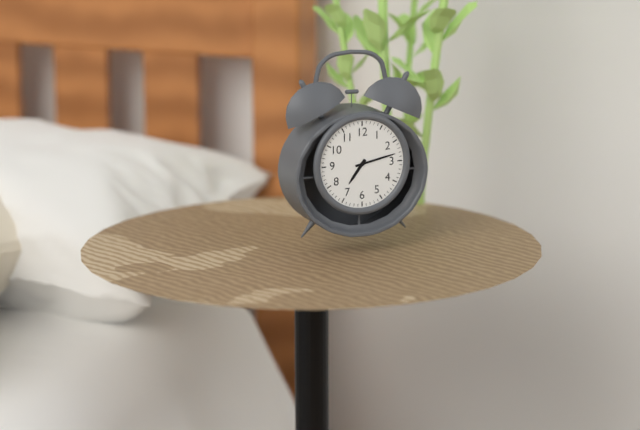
{"hour": 7, "minute": 13}
